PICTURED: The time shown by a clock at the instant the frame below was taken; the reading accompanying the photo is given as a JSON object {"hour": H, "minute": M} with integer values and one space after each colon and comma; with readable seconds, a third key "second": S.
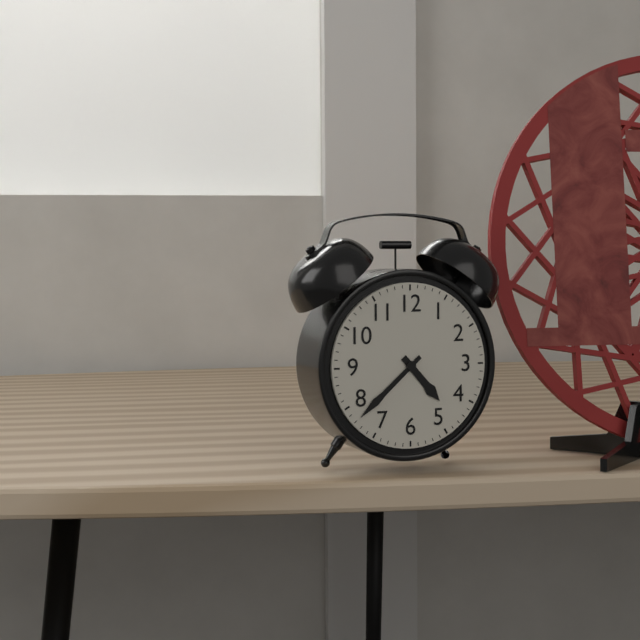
{"hour": 4, "minute": 38}
